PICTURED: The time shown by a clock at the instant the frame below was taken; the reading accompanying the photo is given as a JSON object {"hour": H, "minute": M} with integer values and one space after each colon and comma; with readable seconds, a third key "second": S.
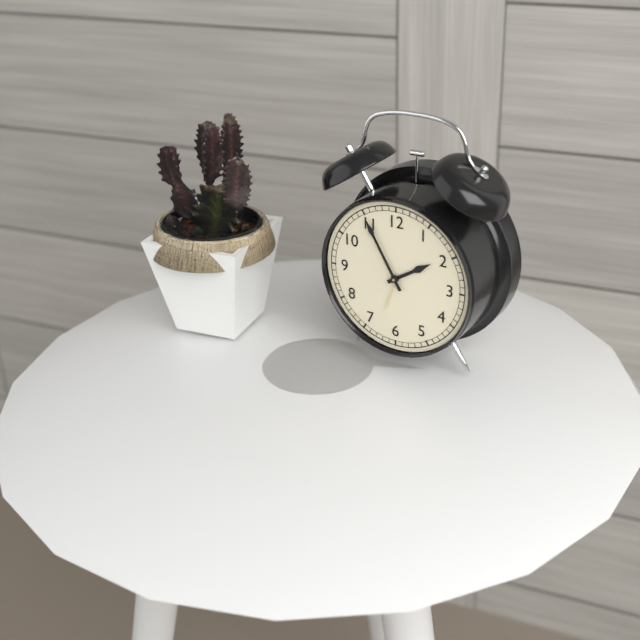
{"hour": 1, "minute": 55}
